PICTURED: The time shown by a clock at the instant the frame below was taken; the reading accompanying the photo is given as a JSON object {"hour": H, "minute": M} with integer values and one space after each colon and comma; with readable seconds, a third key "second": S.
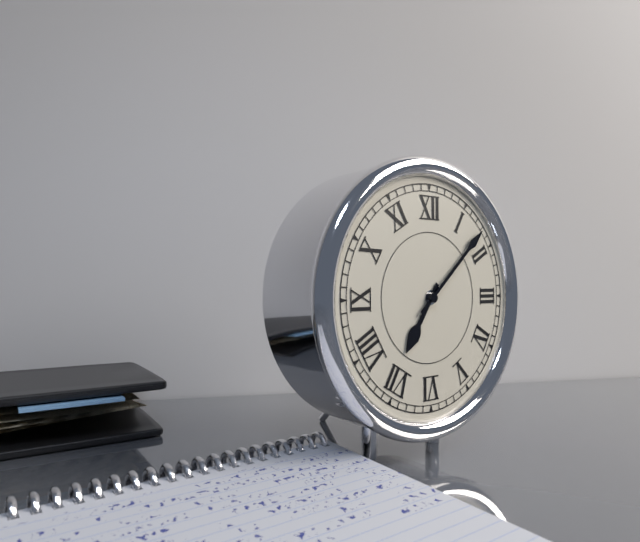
{"hour": 7, "minute": 8}
